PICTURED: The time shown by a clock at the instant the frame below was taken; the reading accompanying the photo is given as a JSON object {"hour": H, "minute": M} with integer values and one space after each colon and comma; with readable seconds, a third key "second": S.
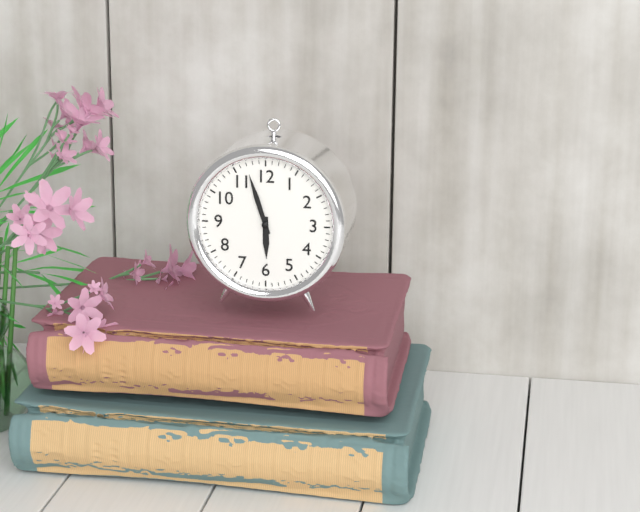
{"hour": 5, "minute": 57}
